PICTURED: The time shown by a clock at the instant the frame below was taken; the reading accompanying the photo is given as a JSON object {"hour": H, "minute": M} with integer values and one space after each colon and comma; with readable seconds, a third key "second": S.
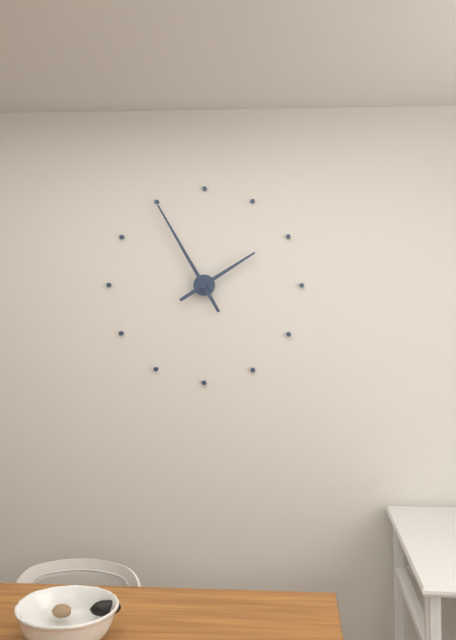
{"hour": 1, "minute": 55}
